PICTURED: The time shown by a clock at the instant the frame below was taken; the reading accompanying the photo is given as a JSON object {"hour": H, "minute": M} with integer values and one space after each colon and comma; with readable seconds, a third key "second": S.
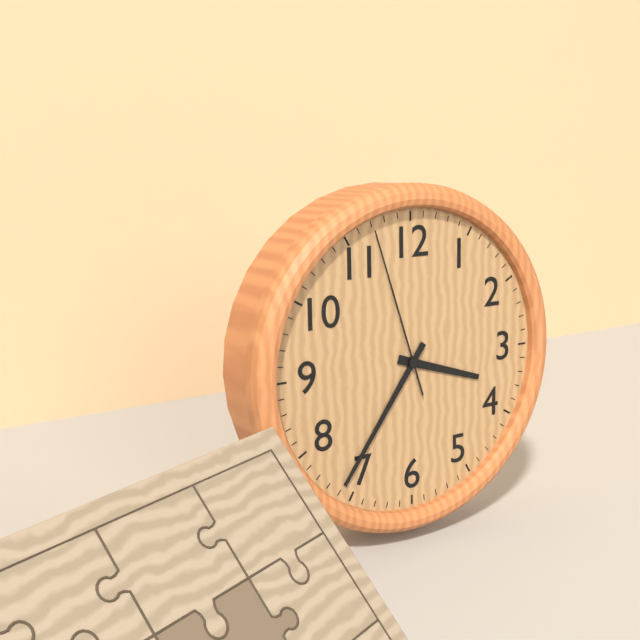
{"hour": 3, "minute": 36, "second": 57}
